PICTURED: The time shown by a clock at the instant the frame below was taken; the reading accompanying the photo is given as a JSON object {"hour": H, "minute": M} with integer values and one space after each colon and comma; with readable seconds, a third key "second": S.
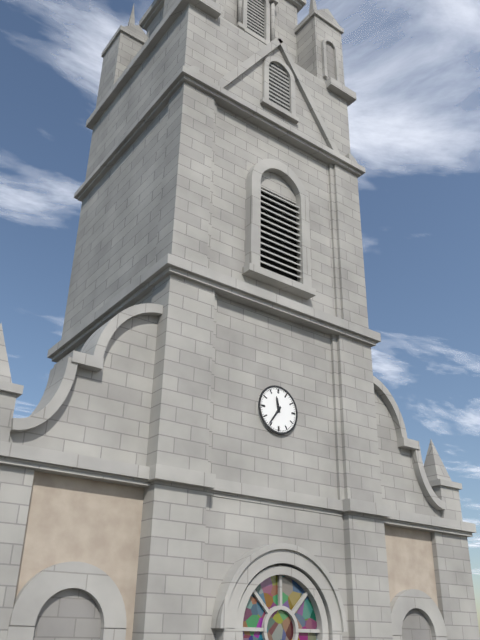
{"hour": 11, "minute": 36}
